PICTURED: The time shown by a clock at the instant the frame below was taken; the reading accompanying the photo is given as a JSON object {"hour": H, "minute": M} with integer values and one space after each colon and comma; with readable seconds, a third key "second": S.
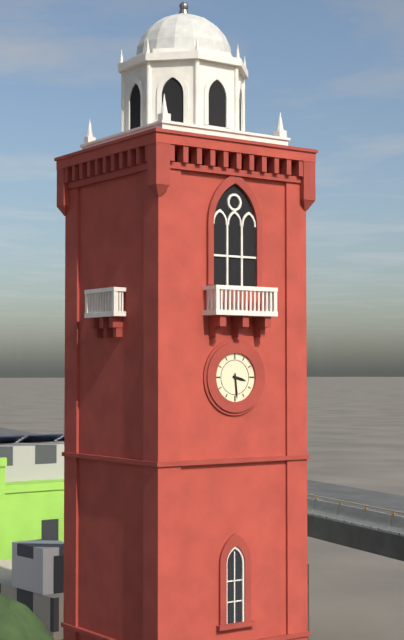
{"hour": 3, "minute": 29}
